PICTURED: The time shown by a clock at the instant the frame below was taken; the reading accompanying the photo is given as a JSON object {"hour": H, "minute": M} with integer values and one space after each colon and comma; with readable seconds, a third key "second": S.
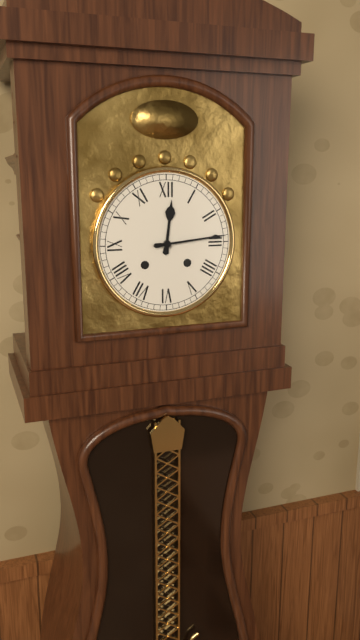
{"hour": 12, "minute": 14}
